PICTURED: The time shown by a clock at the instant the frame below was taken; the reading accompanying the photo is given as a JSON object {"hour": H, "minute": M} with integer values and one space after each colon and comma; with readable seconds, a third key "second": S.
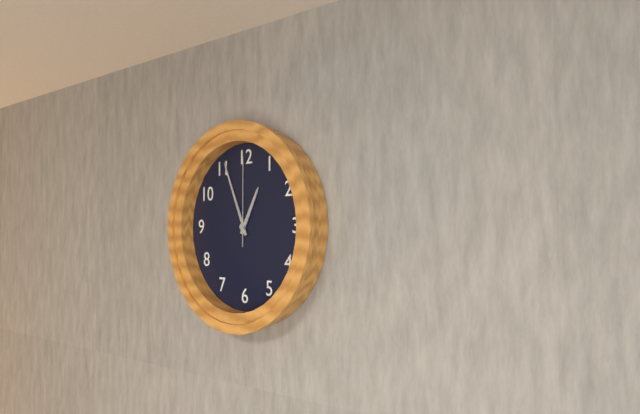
{"hour": 12, "minute": 56, "second": 0}
